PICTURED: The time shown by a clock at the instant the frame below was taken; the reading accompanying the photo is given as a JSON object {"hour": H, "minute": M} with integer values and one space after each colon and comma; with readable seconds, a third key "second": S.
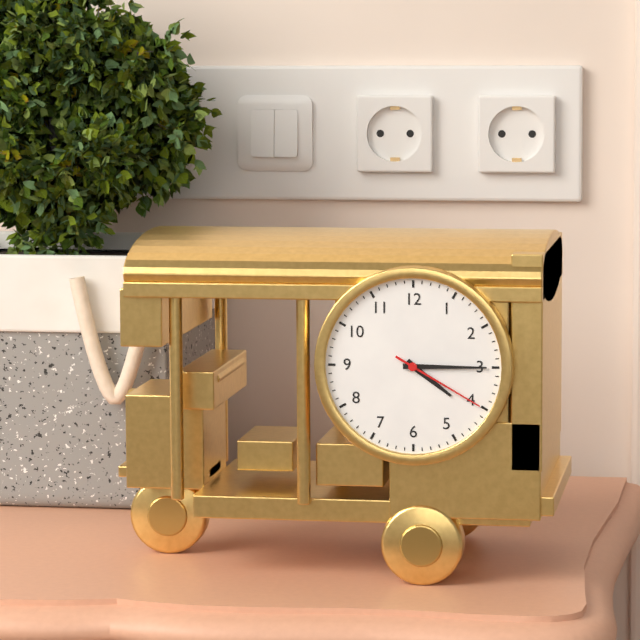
{"hour": 4, "minute": 15, "second": 20}
